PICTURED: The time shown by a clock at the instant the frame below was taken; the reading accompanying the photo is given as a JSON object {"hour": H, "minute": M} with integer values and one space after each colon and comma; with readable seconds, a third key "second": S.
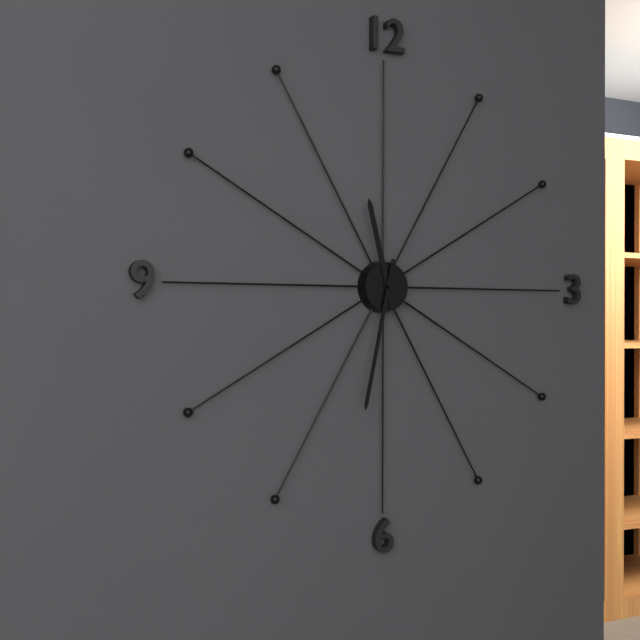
{"hour": 11, "minute": 32}
